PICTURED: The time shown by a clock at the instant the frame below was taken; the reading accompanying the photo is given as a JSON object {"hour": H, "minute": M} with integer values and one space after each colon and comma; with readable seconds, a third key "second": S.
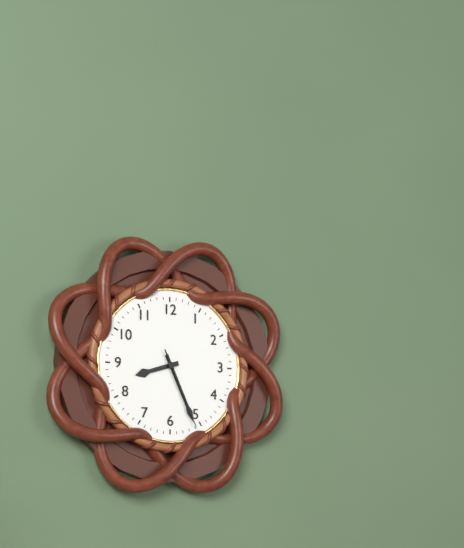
{"hour": 8, "minute": 26, "second": 26}
